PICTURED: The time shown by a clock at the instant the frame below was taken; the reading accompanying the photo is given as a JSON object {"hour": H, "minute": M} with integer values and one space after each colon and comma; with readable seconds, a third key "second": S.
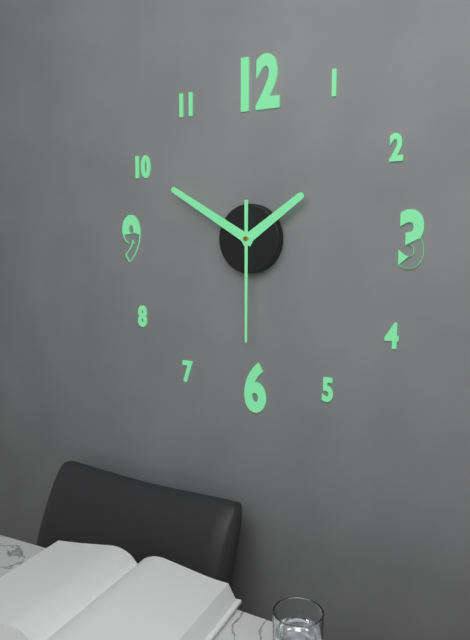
{"hour": 1, "minute": 50, "second": 30}
